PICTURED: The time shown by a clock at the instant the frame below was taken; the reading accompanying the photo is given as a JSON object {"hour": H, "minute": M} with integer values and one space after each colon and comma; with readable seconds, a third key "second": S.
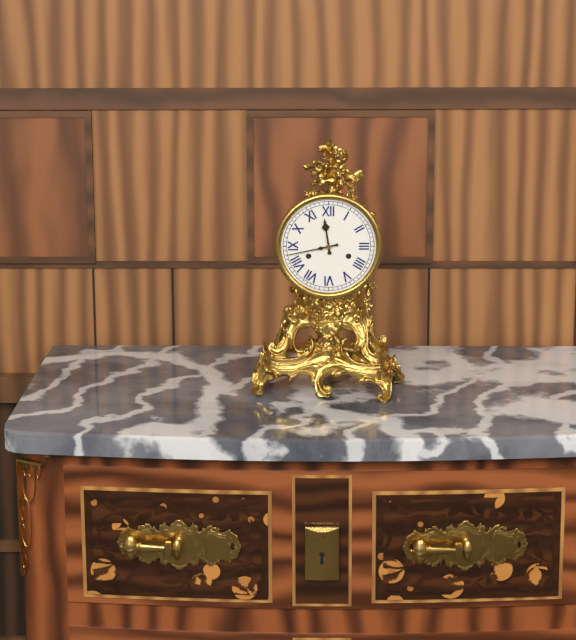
{"hour": 11, "minute": 43}
